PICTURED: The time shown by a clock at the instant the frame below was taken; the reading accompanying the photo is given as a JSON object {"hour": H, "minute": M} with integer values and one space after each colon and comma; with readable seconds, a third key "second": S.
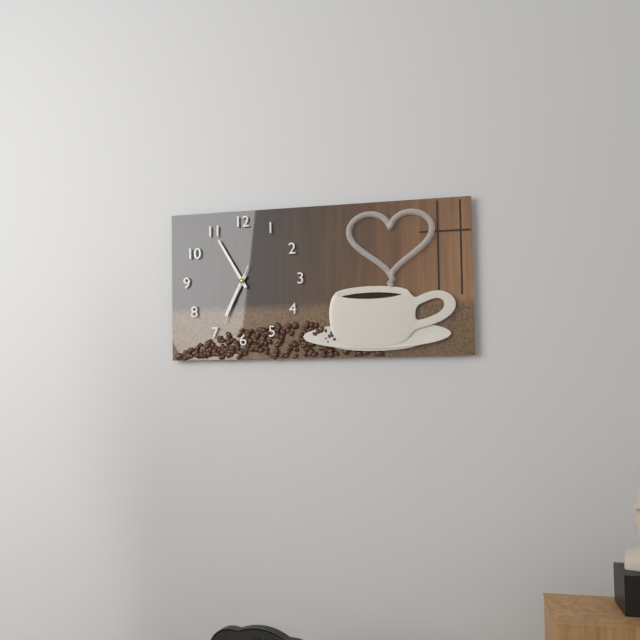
{"hour": 6, "minute": 55, "second": 34}
